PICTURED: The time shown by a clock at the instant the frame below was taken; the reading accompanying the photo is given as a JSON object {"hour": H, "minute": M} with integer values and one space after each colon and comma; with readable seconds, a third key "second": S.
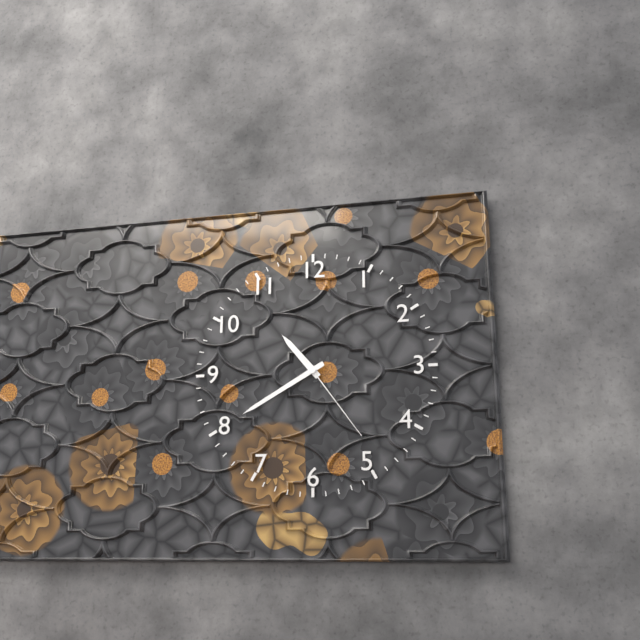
{"hour": 10, "minute": 40, "second": 24}
